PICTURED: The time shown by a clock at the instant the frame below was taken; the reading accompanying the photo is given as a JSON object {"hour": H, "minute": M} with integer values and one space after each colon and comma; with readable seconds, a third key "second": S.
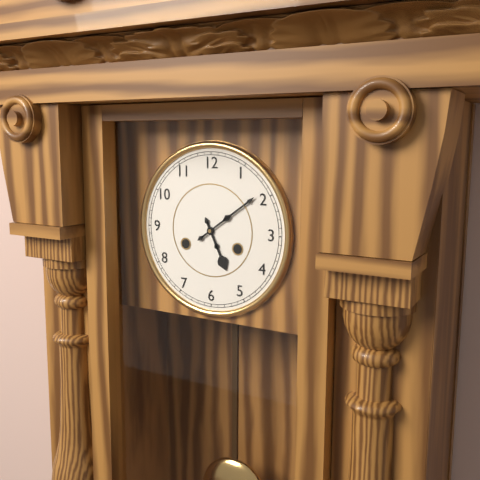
{"hour": 5, "minute": 9}
